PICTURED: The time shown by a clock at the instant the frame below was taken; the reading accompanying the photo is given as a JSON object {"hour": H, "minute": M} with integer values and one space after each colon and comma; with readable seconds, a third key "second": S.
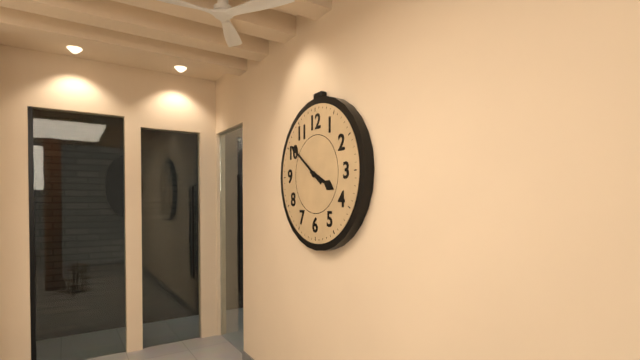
{"hour": 3, "minute": 51}
